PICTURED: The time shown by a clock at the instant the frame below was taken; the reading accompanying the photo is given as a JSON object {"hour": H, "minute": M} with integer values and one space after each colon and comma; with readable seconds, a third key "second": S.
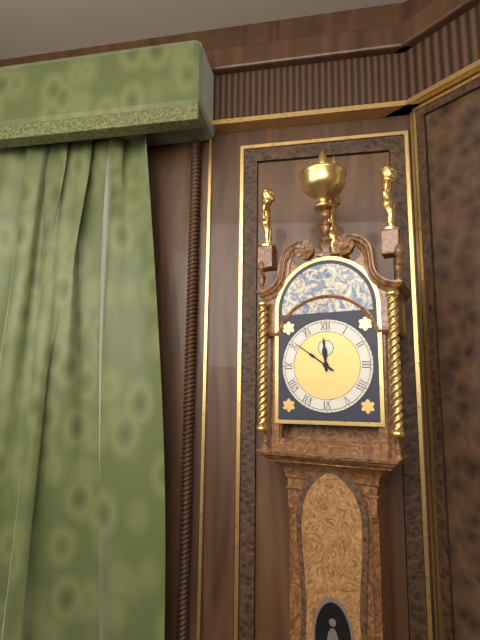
{"hour": 11, "minute": 51}
